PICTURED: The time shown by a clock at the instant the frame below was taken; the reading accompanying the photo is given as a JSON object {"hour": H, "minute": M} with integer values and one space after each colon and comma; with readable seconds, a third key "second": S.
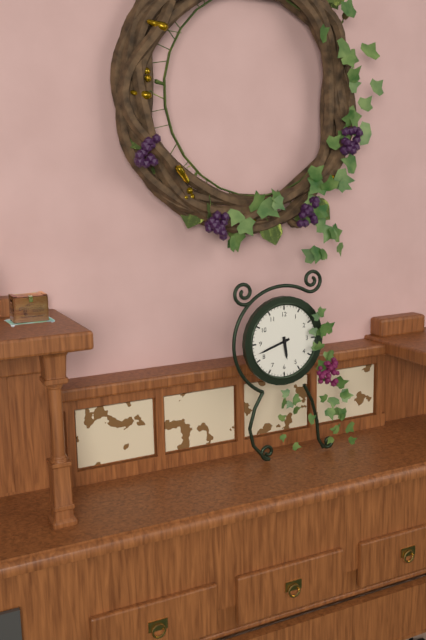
{"hour": 5, "minute": 42}
